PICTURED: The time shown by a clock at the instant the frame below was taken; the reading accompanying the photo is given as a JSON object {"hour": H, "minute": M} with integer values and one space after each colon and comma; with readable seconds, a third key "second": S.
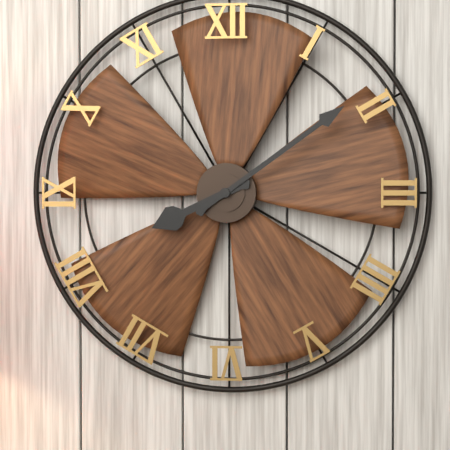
{"hour": 8, "minute": 9}
